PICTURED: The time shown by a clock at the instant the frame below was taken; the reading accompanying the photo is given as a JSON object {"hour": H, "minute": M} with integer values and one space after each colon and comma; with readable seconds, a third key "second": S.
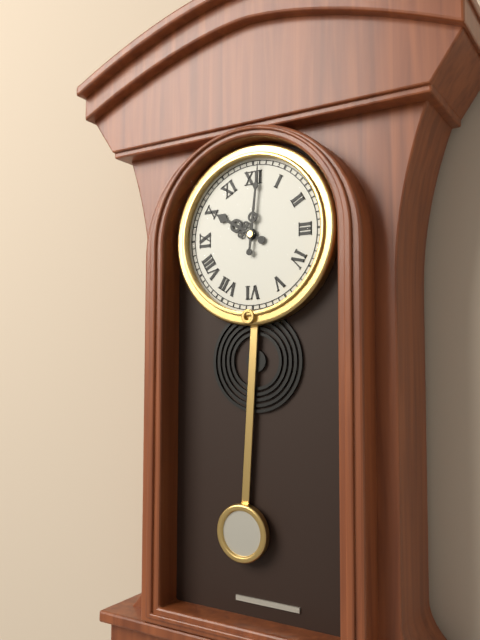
{"hour": 10, "minute": 1}
